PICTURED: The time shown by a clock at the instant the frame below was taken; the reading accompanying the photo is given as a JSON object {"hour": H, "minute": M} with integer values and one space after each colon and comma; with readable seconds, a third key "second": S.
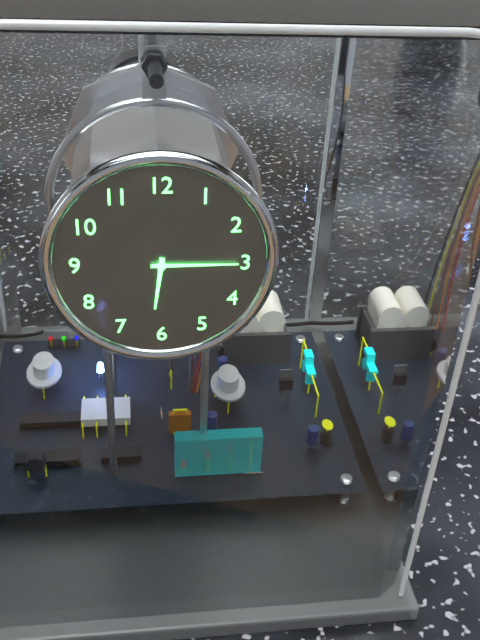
{"hour": 6, "minute": 15}
